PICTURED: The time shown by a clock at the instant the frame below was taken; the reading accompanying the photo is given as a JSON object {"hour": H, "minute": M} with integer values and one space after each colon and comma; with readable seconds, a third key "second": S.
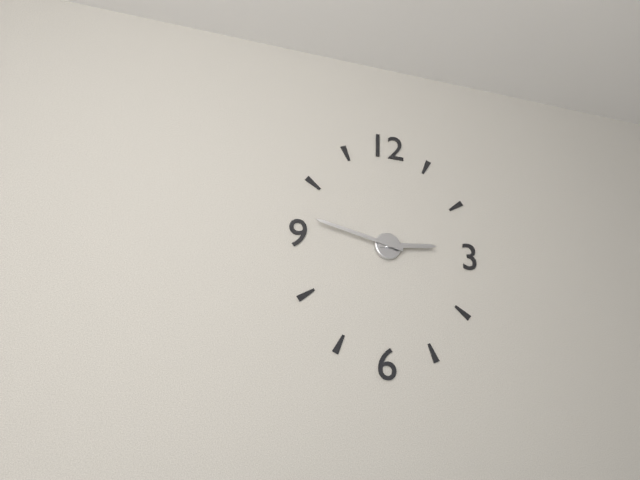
{"hour": 2, "minute": 47}
